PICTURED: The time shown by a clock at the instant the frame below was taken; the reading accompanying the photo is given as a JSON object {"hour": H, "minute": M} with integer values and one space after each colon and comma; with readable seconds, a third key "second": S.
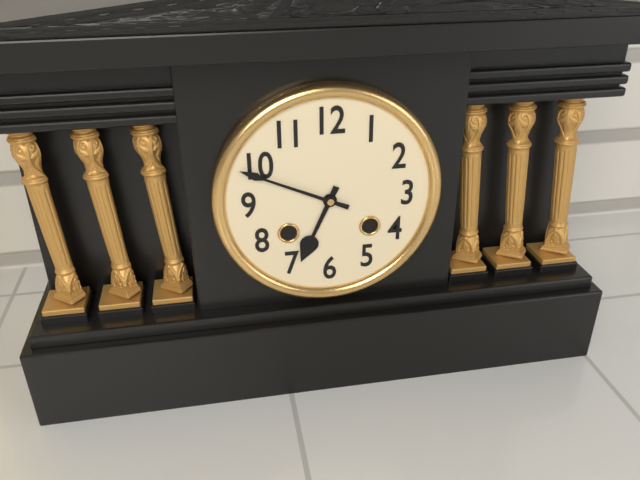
{"hour": 6, "minute": 49}
